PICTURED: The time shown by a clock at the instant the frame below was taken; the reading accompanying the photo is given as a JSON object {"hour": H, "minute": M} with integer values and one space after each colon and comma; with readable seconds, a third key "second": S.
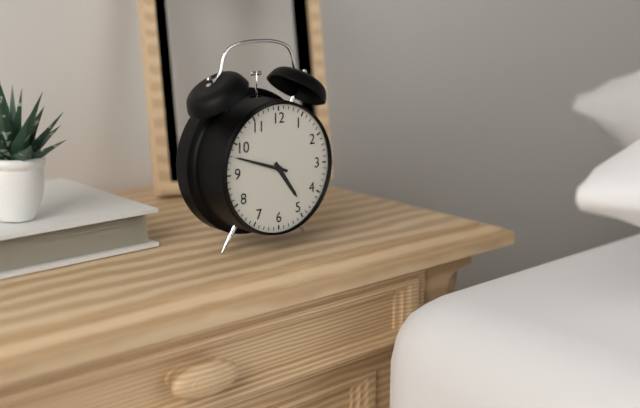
{"hour": 4, "minute": 48}
